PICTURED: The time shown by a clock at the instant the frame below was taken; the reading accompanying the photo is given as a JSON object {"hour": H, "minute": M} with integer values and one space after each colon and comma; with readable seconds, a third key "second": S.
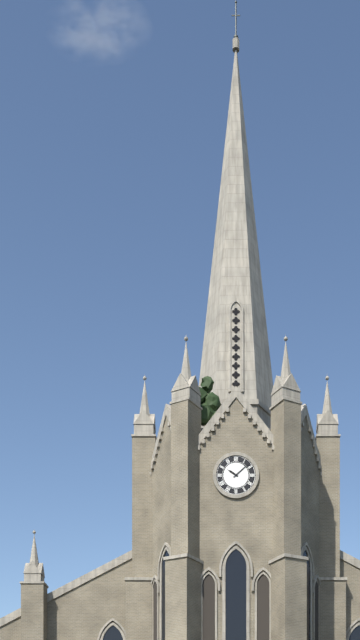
{"hour": 10, "minute": 8}
